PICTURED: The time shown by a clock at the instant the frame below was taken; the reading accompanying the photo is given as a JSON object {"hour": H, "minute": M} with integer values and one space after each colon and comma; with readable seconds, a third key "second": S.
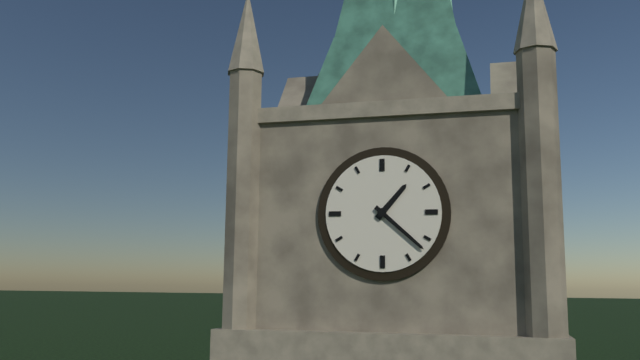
{"hour": 1, "minute": 22}
